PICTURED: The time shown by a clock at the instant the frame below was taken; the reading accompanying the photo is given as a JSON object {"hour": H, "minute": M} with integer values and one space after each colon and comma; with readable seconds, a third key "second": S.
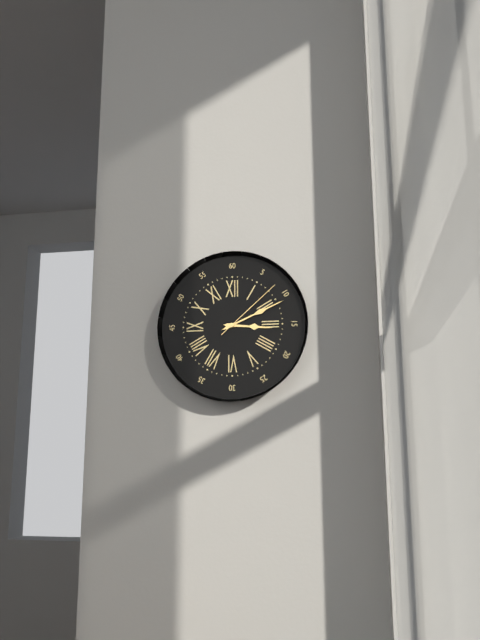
{"hour": 3, "minute": 11, "second": 8}
